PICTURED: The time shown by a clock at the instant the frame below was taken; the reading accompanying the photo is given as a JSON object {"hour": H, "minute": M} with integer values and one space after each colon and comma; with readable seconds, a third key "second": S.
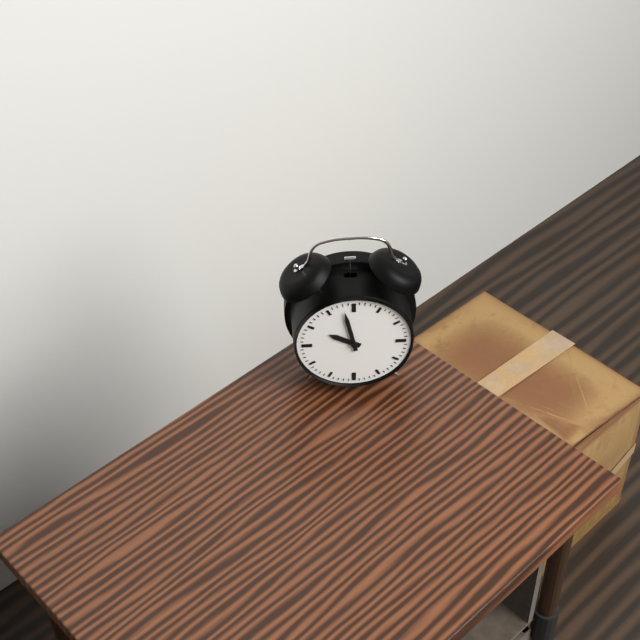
{"hour": 9, "minute": 58}
